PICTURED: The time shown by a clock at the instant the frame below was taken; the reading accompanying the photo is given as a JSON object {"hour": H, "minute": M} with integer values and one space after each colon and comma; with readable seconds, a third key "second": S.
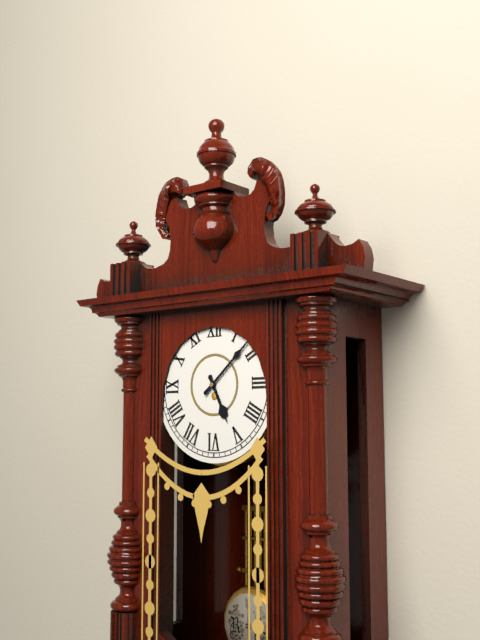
{"hour": 5, "minute": 8}
